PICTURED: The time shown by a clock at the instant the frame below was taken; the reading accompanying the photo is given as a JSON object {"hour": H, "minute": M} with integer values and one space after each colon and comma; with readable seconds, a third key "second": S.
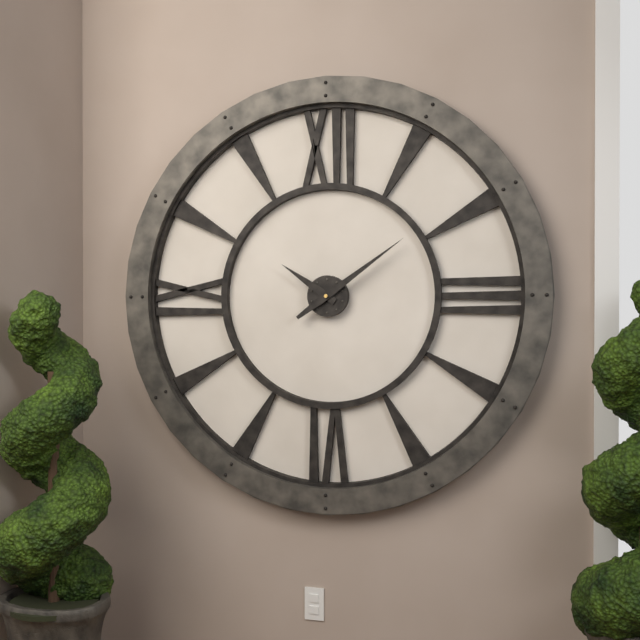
{"hour": 10, "minute": 9}
